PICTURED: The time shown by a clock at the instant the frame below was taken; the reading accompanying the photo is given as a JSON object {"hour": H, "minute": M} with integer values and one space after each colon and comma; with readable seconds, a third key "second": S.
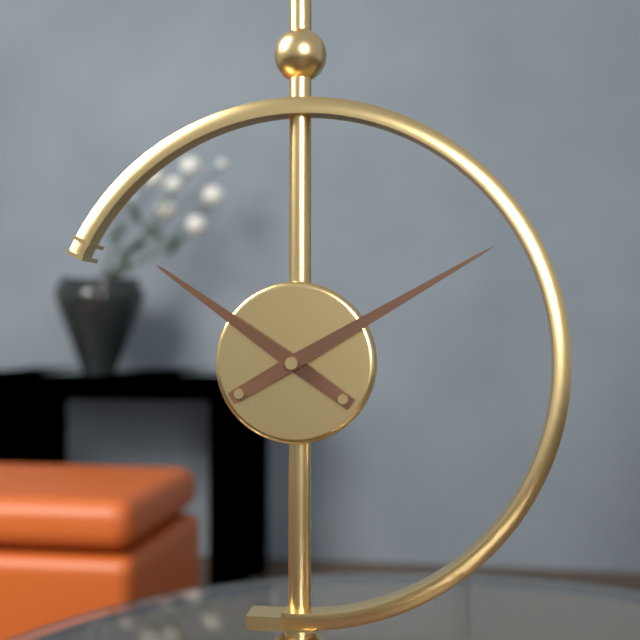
{"hour": 10, "minute": 10}
